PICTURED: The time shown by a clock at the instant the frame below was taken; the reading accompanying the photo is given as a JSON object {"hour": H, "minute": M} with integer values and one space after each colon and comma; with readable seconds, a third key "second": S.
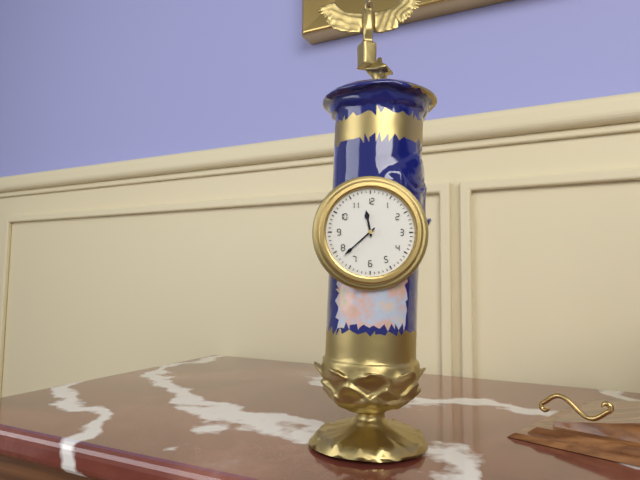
{"hour": 11, "minute": 38}
